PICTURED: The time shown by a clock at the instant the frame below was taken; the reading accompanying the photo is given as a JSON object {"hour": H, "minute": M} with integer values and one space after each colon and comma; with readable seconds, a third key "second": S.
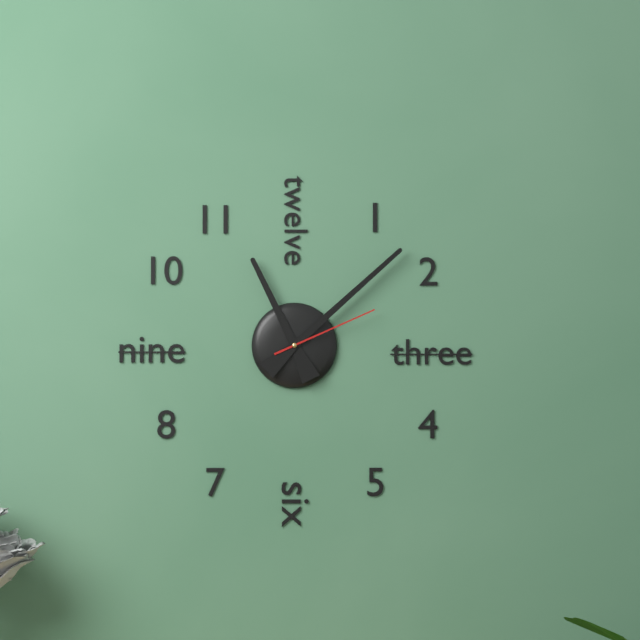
{"hour": 11, "minute": 8, "second": 11}
